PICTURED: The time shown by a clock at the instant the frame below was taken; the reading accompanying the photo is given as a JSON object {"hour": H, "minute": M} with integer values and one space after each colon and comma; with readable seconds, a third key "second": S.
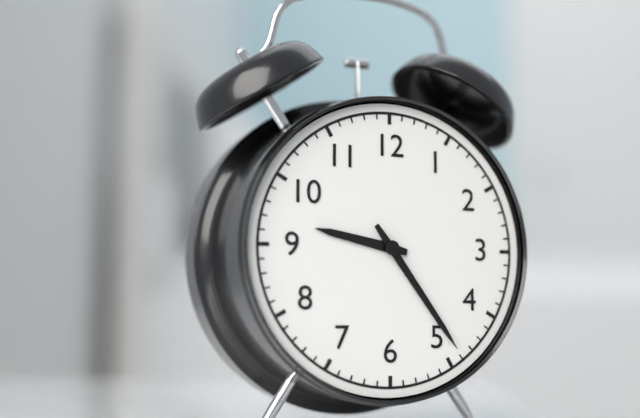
{"hour": 9, "minute": 24}
